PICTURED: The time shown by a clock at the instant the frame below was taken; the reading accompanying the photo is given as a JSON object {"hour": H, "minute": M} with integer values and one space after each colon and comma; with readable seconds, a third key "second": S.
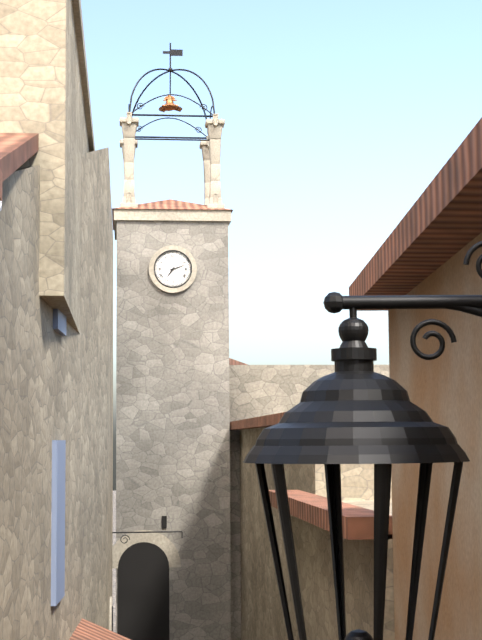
{"hour": 7, "minute": 12}
